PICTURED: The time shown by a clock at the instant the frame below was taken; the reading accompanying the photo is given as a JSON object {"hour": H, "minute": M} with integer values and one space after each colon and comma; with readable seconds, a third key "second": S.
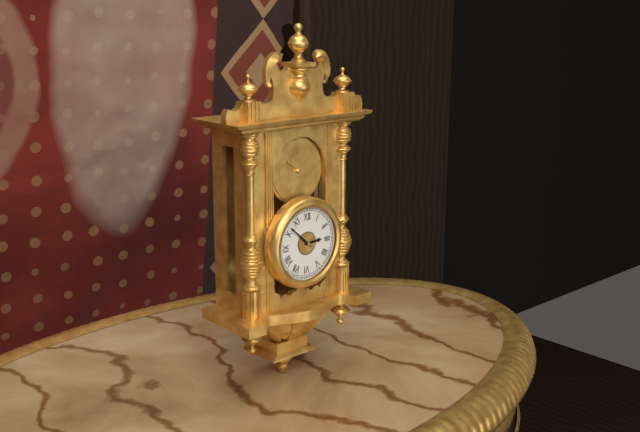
{"hour": 2, "minute": 52}
